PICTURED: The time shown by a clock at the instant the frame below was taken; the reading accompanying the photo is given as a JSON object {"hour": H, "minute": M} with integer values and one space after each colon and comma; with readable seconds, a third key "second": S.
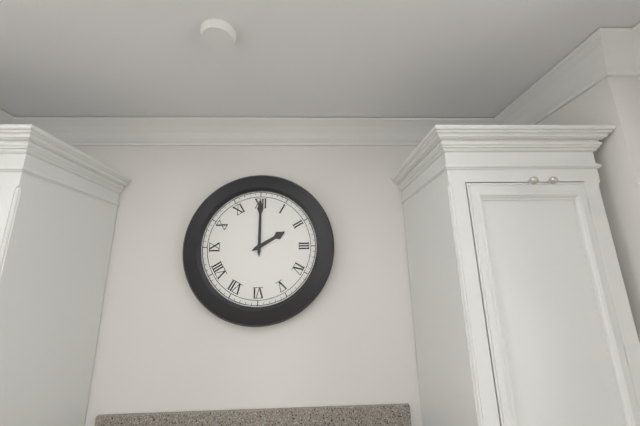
{"hour": 2, "minute": 0}
